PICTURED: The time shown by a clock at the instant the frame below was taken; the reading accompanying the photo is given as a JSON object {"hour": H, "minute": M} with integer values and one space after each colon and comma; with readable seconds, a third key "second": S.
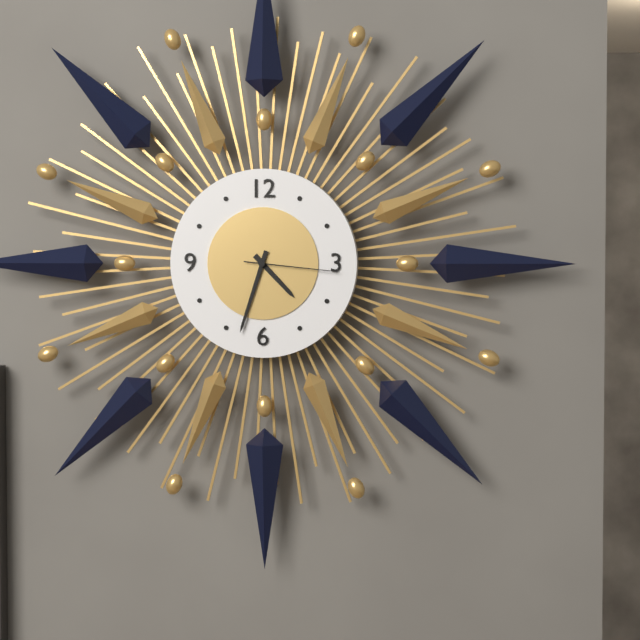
{"hour": 4, "minute": 33, "second": 16}
